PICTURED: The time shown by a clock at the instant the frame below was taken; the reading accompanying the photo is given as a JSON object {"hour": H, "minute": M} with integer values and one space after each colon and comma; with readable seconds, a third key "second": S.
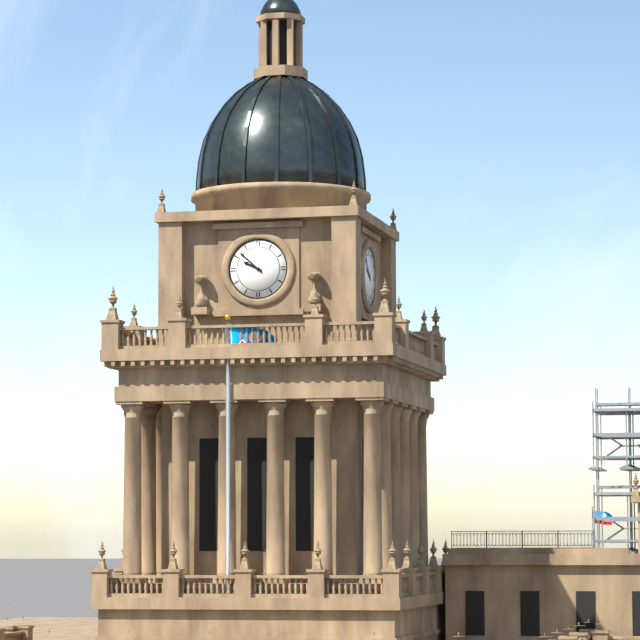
{"hour": 9, "minute": 52}
